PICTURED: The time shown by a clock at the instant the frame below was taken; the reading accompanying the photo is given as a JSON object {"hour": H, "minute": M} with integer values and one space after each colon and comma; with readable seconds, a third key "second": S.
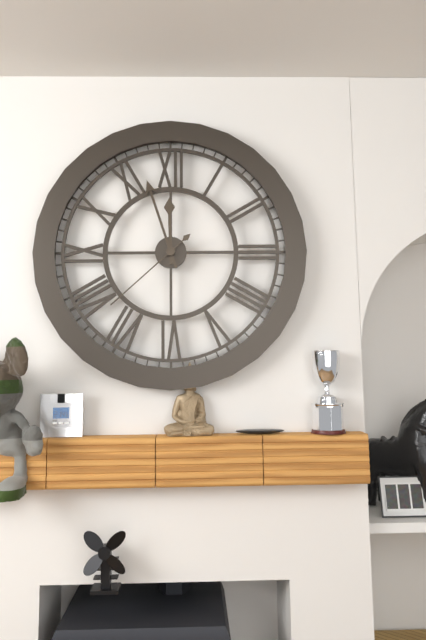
{"hour": 11, "minute": 57, "second": 38}
